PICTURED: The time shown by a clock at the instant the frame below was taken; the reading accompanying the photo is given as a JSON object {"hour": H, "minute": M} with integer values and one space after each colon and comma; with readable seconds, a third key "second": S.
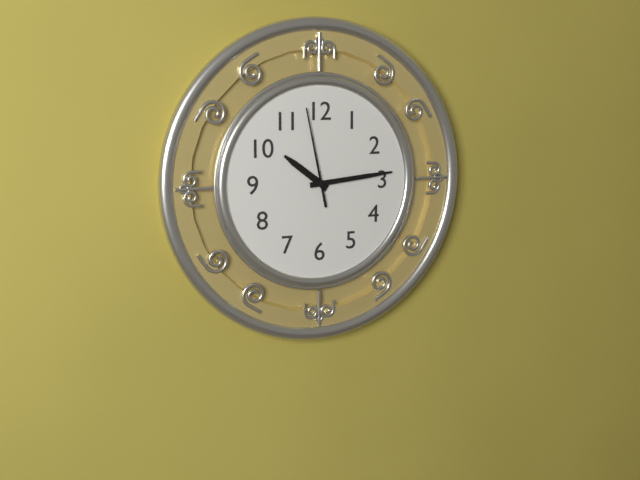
{"hour": 10, "minute": 14, "second": 58}
